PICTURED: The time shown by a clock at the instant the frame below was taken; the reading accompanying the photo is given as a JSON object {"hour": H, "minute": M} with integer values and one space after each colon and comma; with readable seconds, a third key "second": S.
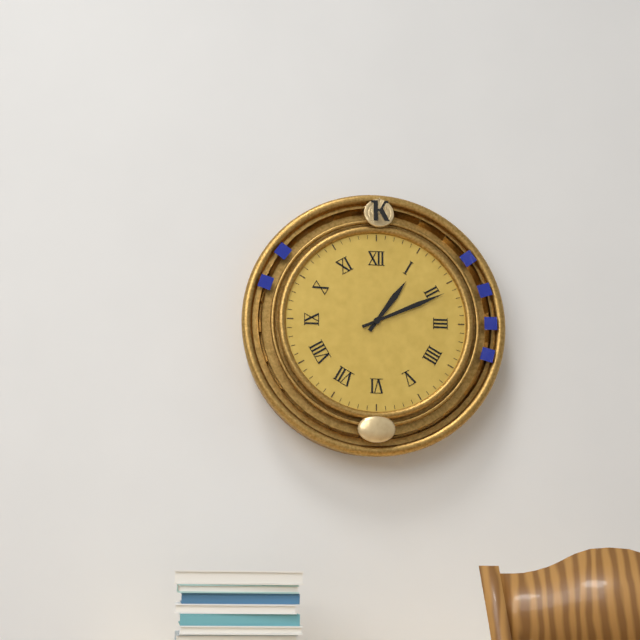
{"hour": 1, "minute": 11}
